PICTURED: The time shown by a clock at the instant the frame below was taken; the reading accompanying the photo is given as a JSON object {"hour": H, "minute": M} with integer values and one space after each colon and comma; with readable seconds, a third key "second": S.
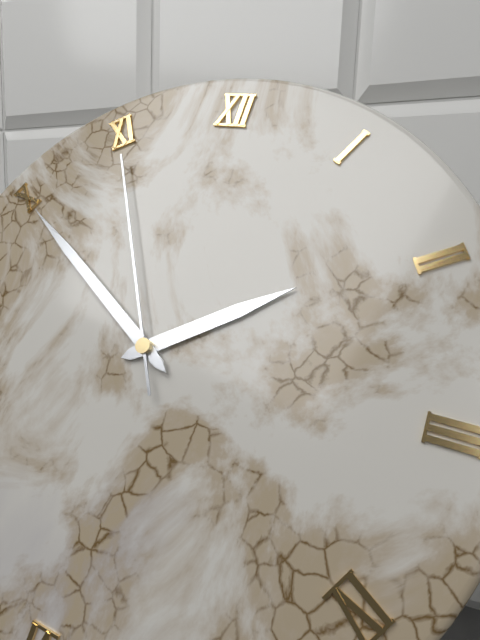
{"hour": 1, "minute": 50, "second": 55}
